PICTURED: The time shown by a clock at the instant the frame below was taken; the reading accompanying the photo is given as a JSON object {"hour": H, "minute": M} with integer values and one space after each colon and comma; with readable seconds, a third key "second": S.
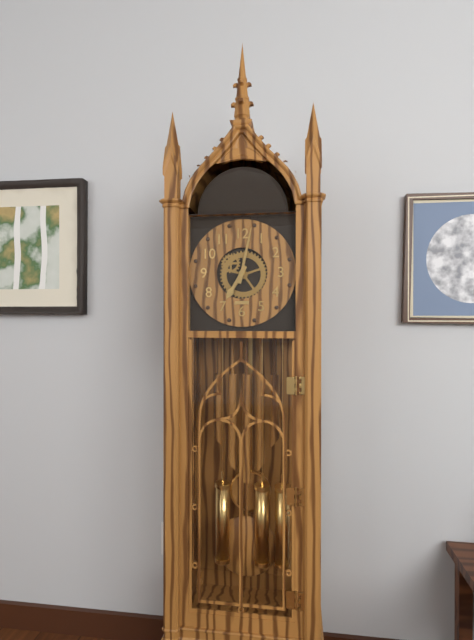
{"hour": 7, "minute": 2}
